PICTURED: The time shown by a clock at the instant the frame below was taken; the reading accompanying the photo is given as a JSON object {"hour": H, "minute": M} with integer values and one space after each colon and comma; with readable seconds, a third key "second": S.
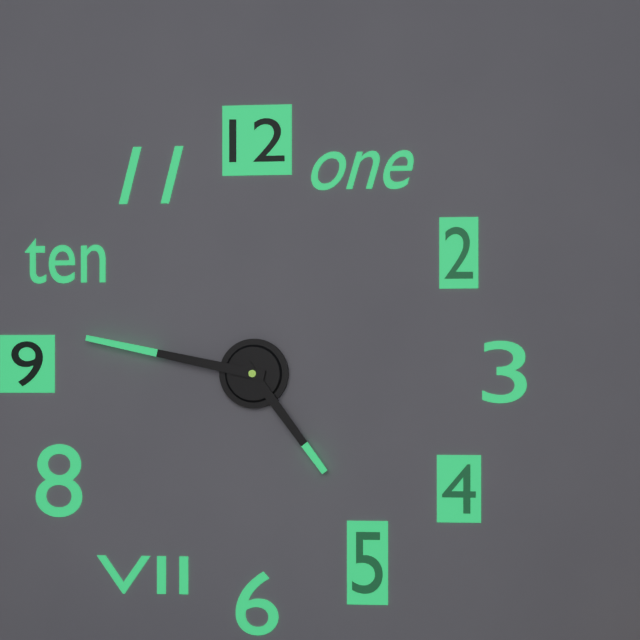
{"hour": 4, "minute": 47}
